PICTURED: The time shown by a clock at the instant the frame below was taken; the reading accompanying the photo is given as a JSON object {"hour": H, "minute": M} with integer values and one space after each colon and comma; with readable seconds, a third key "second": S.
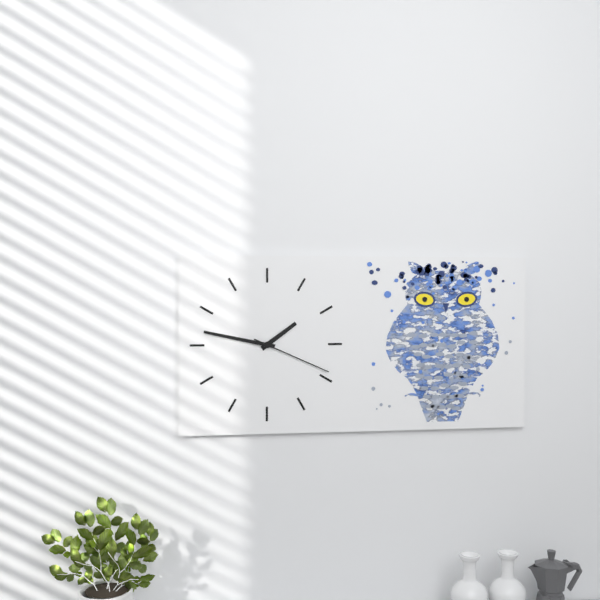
{"hour": 1, "minute": 47, "second": 19}
